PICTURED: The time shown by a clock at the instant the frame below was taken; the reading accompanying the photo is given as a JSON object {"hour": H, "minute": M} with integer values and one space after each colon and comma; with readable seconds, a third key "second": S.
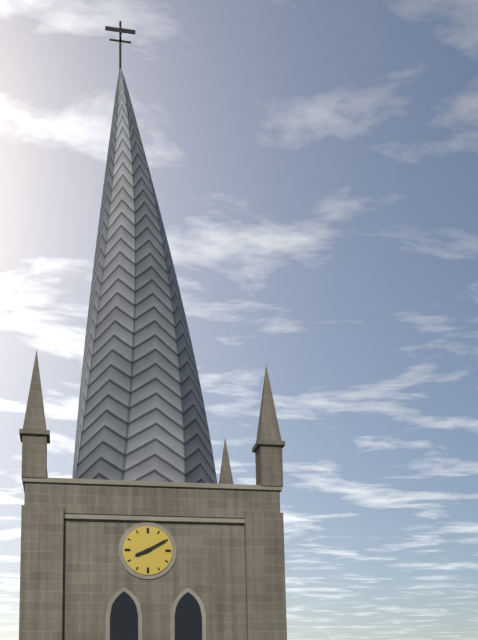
{"hour": 8, "minute": 10}
